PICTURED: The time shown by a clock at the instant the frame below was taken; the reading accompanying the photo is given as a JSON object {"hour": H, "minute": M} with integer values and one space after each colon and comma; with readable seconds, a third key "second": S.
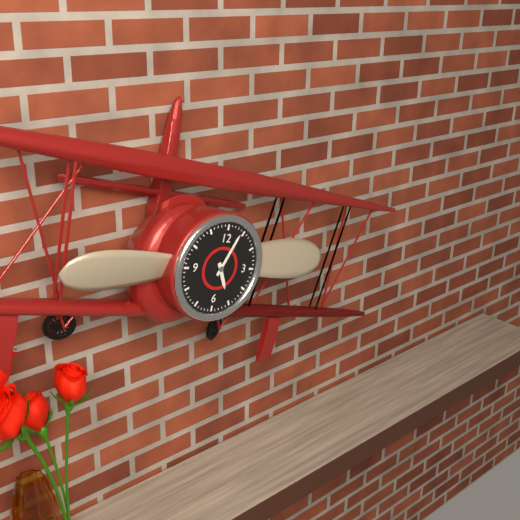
{"hour": 5, "minute": 4}
